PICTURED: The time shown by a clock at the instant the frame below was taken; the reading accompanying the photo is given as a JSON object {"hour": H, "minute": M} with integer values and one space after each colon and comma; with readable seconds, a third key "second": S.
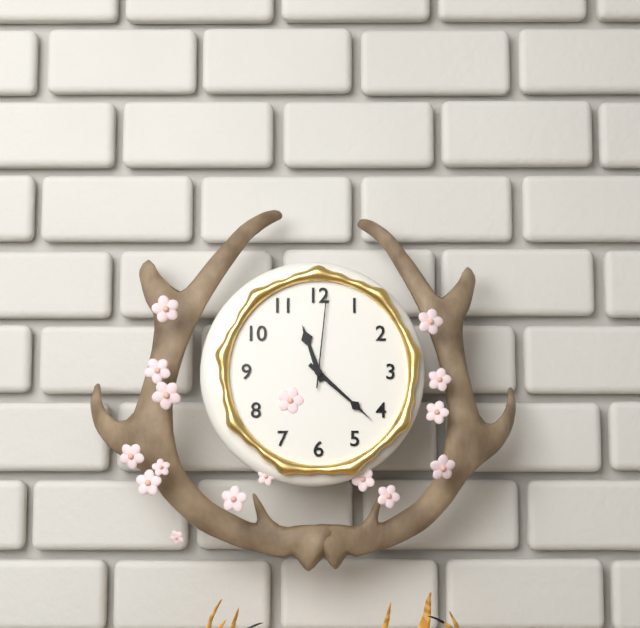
{"hour": 11, "minute": 22, "second": 1}
